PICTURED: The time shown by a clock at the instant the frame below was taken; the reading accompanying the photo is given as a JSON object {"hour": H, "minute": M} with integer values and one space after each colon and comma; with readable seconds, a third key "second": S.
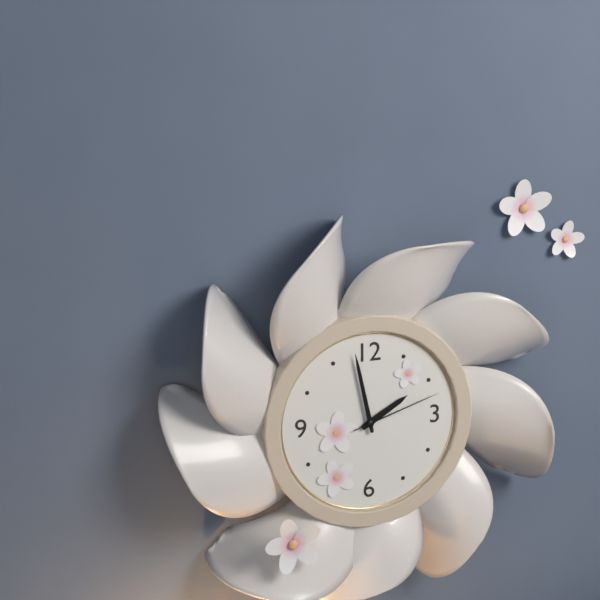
{"hour": 1, "minute": 58, "second": 12}
